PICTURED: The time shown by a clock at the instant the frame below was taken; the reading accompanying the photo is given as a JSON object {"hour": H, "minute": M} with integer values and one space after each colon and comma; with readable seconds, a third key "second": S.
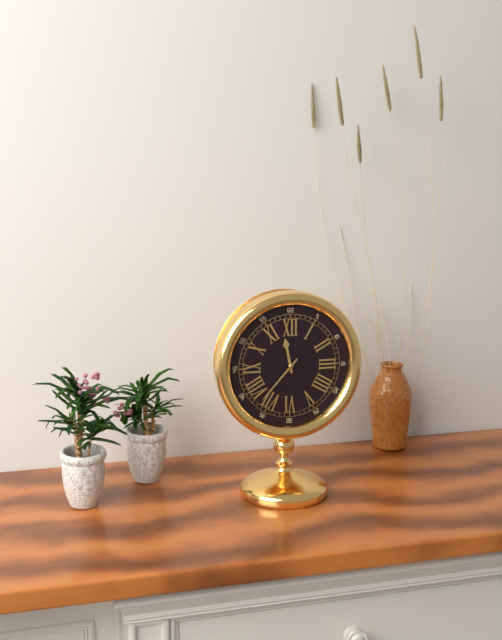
{"hour": 11, "minute": 37}
